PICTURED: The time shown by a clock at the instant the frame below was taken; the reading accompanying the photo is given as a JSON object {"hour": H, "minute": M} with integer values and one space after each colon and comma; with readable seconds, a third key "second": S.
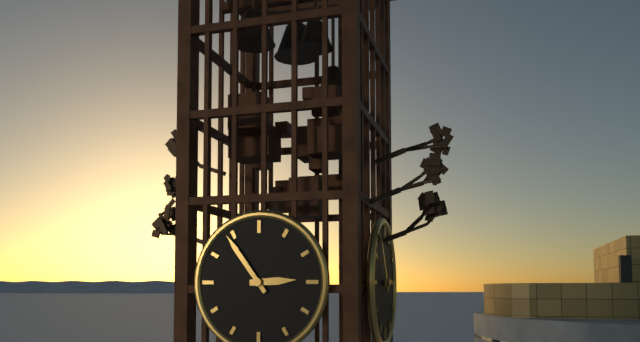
{"hour": 2, "minute": 54}
